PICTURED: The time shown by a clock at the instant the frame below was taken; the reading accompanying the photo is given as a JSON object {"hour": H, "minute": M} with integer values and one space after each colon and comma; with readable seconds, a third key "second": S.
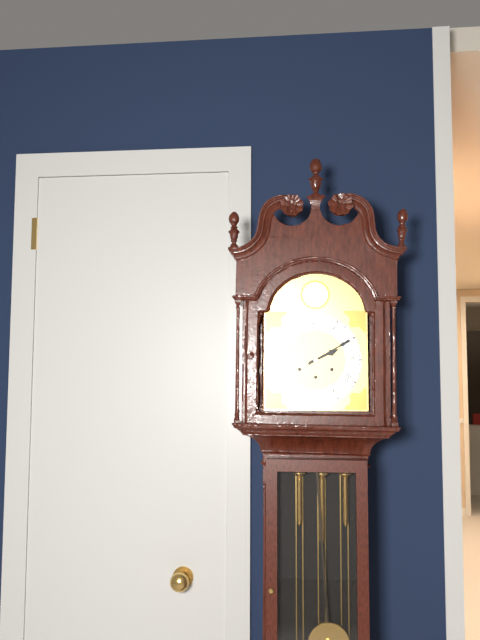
{"hour": 2, "minute": 10}
